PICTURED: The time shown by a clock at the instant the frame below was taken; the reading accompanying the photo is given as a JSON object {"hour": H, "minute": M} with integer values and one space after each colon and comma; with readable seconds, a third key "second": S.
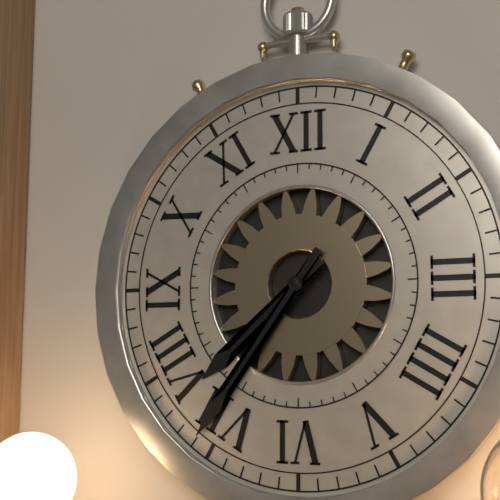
{"hour": 7, "minute": 36}
